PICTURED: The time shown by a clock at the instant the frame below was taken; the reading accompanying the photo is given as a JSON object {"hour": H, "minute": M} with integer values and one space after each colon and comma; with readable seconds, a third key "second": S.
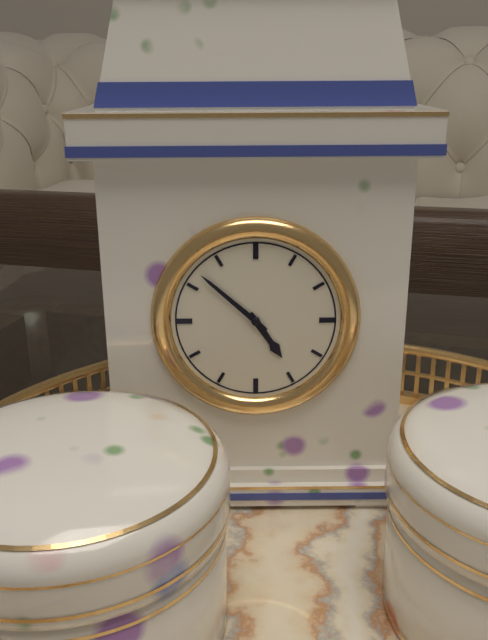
{"hour": 4, "minute": 52}
